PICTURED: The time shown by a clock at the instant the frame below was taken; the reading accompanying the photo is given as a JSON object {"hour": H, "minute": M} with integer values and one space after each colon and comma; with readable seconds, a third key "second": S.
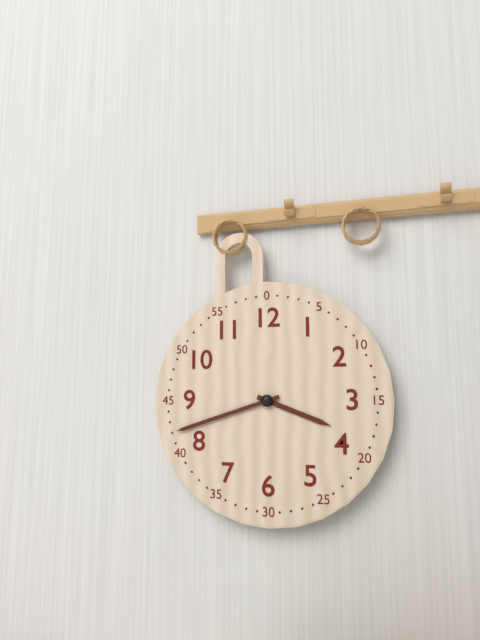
{"hour": 3, "minute": 42}
